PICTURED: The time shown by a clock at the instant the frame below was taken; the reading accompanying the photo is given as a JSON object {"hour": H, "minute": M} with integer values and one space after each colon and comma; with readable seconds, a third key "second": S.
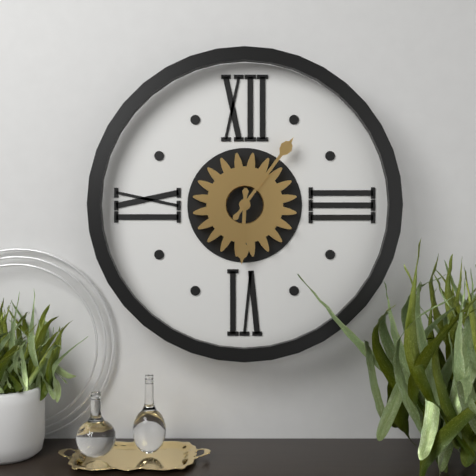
{"hour": 6, "minute": 6}
